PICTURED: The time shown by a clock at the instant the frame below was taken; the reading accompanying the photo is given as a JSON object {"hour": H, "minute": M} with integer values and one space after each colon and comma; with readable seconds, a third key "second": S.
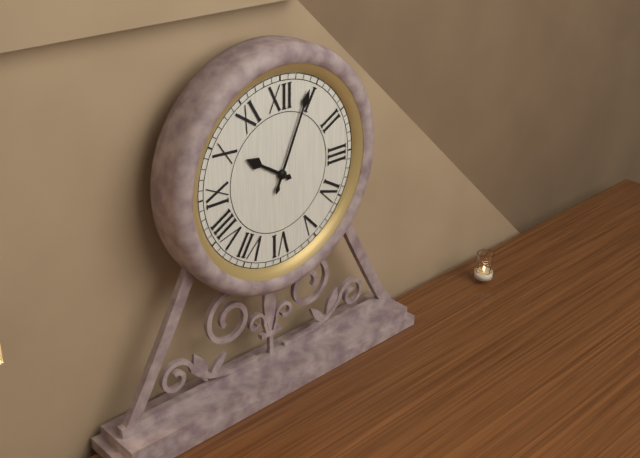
{"hour": 10, "minute": 4}
